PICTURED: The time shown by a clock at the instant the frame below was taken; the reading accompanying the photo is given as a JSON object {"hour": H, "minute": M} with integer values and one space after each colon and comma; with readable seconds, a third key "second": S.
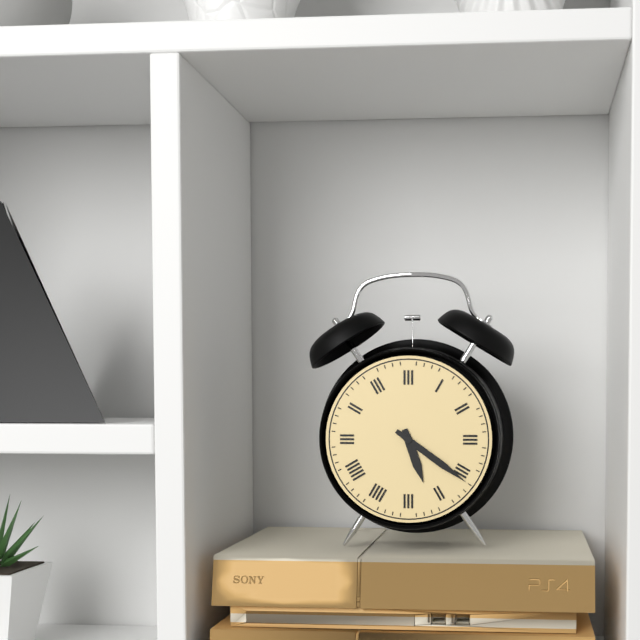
{"hour": 5, "minute": 21}
